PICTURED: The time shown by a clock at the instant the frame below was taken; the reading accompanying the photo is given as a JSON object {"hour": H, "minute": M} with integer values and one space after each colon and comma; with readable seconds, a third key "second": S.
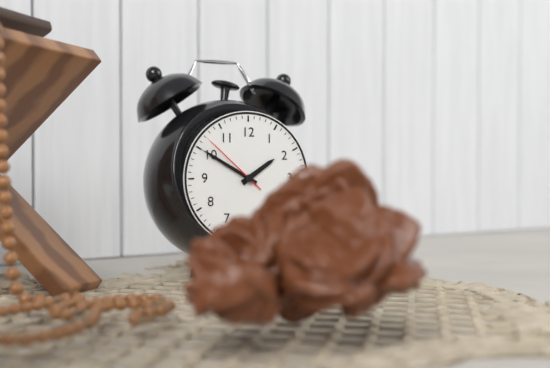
{"hour": 1, "minute": 50, "second": 52}
